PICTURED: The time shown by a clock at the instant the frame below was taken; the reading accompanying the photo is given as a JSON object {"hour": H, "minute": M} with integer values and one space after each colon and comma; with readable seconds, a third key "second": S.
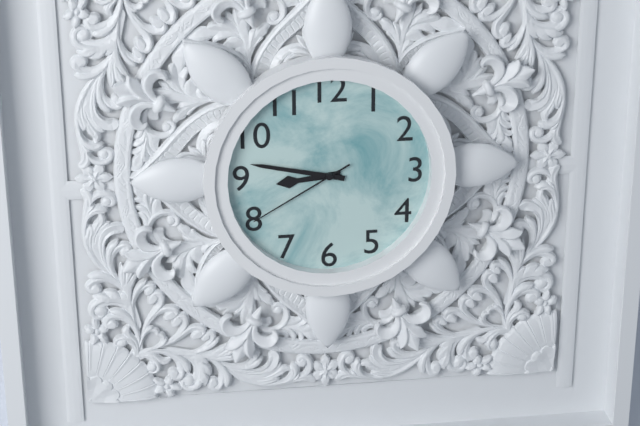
{"hour": 8, "minute": 47, "second": 40}
